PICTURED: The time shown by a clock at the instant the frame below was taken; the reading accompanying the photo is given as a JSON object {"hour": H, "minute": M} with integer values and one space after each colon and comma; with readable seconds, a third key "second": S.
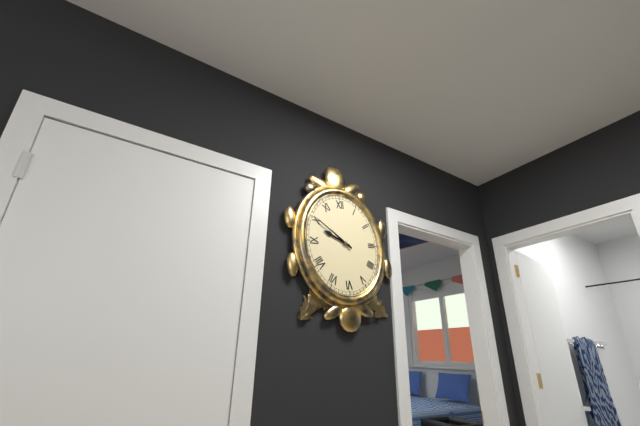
{"hour": 9, "minute": 51}
